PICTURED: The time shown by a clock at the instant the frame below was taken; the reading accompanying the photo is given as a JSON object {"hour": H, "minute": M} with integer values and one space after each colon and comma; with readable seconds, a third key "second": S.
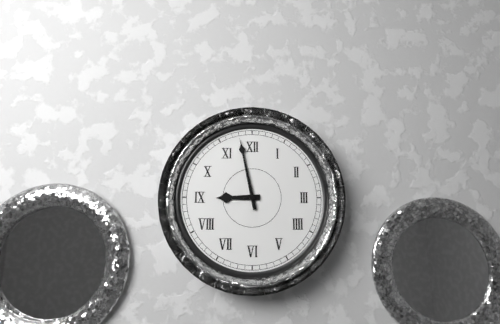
{"hour": 8, "minute": 58}
